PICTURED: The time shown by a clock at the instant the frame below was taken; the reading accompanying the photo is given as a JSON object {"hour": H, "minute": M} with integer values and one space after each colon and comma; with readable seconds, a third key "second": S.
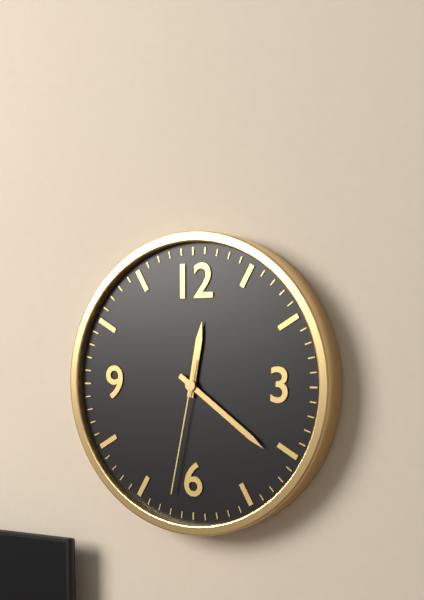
{"hour": 12, "minute": 21, "second": 32}
